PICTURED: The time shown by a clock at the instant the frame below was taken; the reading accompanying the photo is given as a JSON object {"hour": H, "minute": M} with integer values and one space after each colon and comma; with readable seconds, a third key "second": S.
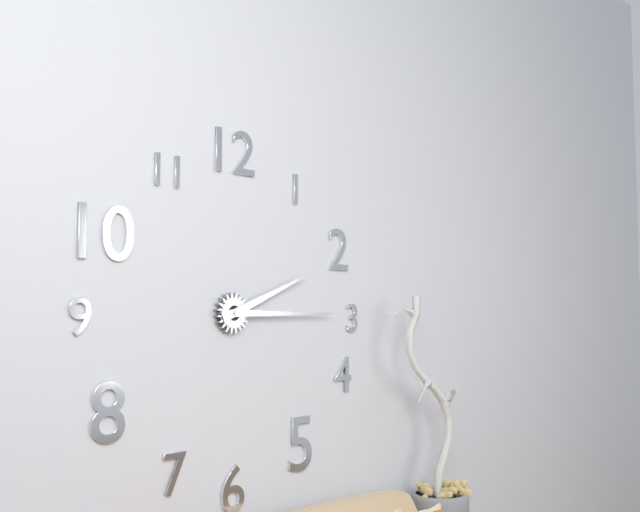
{"hour": 2, "minute": 15}
